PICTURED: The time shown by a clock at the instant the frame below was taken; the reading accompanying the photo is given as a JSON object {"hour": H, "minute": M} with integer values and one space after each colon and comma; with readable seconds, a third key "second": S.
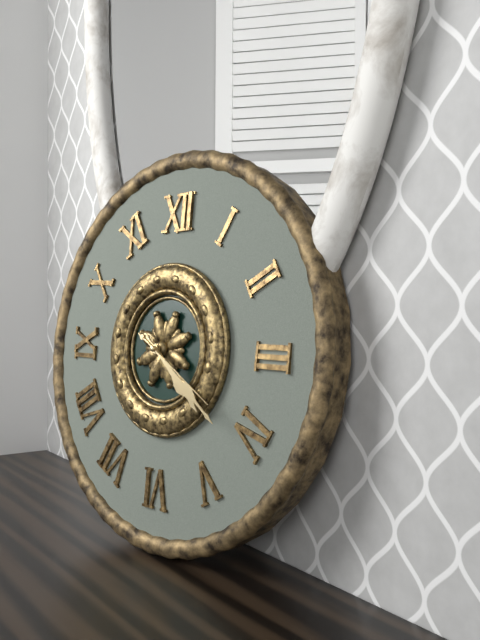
{"hour": 4, "minute": 21, "second": 20}
